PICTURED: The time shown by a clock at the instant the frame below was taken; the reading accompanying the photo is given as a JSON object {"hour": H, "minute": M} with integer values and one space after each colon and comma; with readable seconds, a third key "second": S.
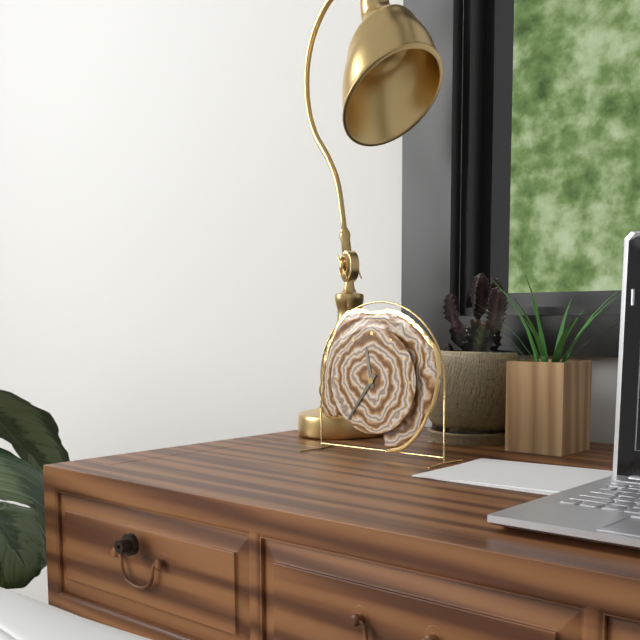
{"hour": 11, "minute": 36}
